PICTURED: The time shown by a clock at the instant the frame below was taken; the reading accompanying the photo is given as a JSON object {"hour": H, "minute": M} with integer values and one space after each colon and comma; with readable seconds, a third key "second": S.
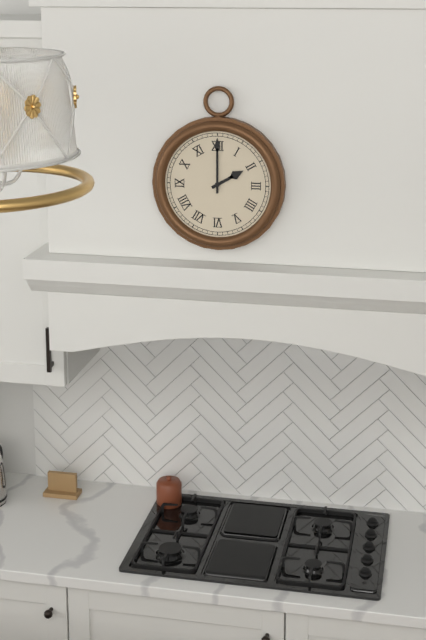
{"hour": 2, "minute": 0}
